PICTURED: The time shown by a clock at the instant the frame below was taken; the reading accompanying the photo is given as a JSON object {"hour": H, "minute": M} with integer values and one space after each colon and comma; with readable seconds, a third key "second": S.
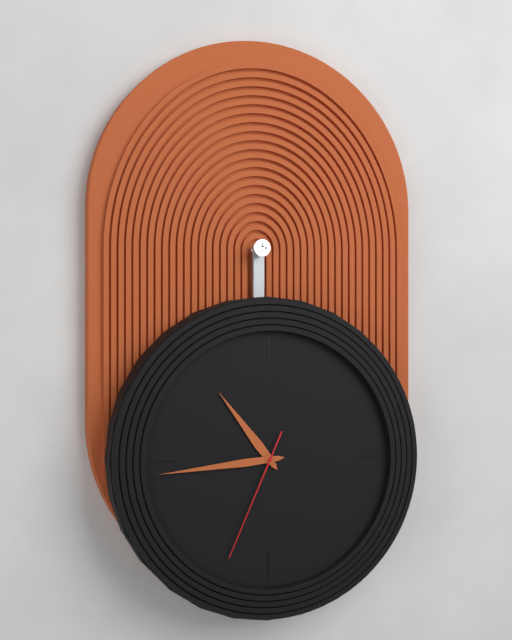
{"hour": 10, "minute": 44, "second": 34}
